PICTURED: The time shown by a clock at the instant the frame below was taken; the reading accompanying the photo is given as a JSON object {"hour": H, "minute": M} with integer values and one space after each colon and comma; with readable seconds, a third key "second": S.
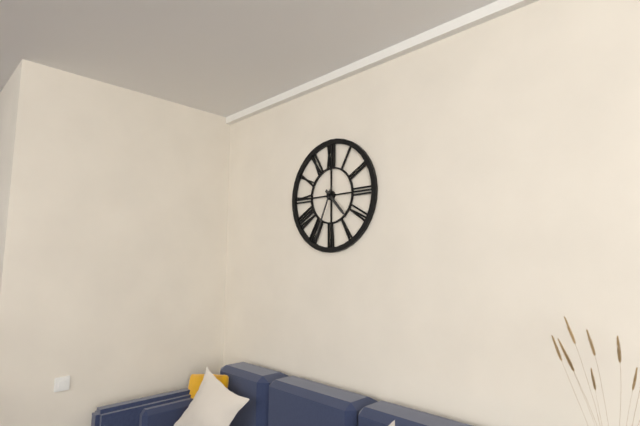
{"hour": 4, "minute": 34}
